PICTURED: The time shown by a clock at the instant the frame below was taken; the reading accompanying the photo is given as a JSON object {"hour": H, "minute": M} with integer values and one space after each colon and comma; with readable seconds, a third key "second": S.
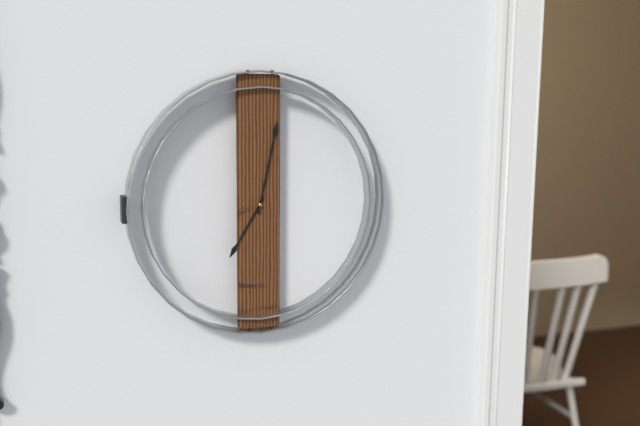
{"hour": 7, "minute": 2}
